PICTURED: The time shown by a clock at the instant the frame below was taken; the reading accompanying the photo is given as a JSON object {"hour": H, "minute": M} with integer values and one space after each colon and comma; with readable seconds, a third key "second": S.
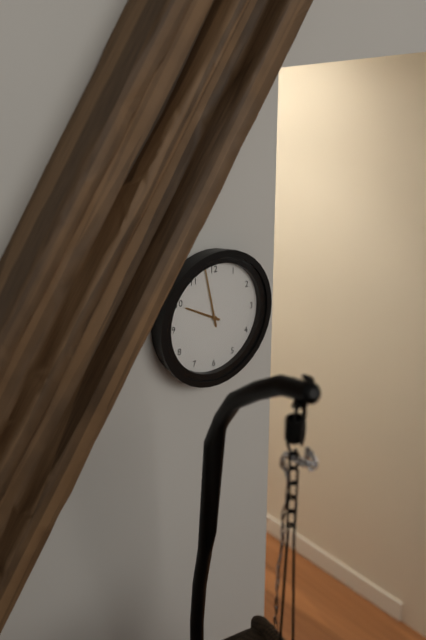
{"hour": 9, "minute": 58}
